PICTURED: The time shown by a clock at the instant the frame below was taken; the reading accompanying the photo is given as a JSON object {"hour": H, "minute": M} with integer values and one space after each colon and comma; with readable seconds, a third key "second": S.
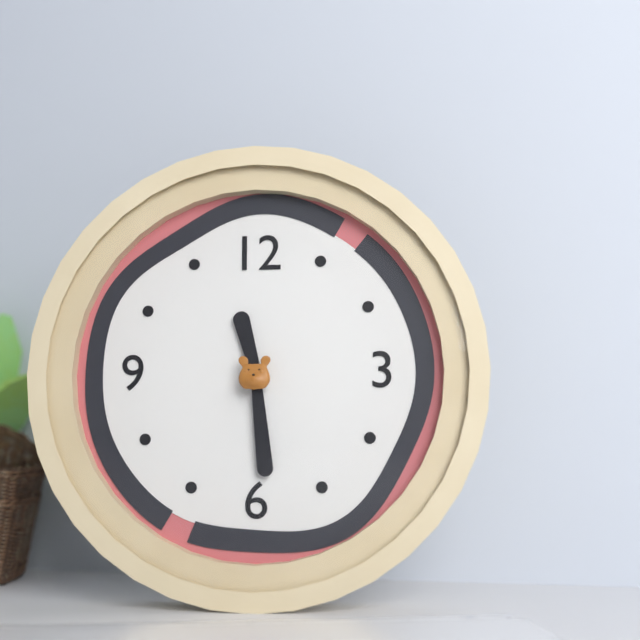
{"hour": 11, "minute": 29}
